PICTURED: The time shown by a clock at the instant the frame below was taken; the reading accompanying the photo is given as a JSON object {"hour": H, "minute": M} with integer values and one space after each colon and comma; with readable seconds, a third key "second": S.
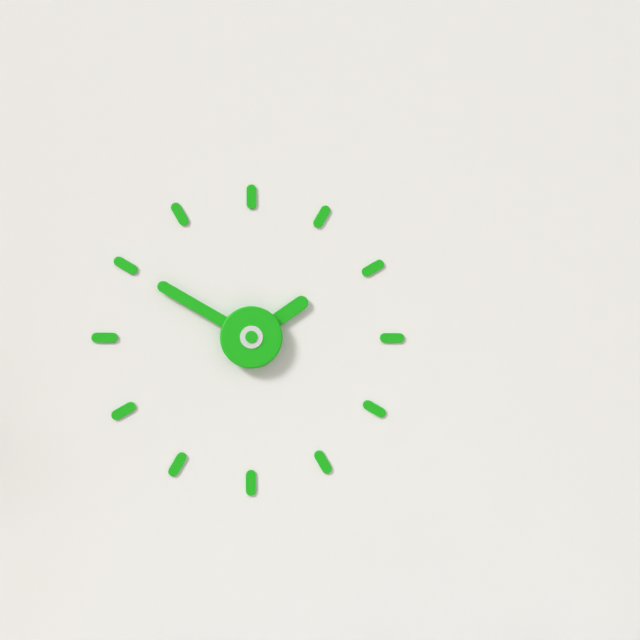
{"hour": 1, "minute": 50}
